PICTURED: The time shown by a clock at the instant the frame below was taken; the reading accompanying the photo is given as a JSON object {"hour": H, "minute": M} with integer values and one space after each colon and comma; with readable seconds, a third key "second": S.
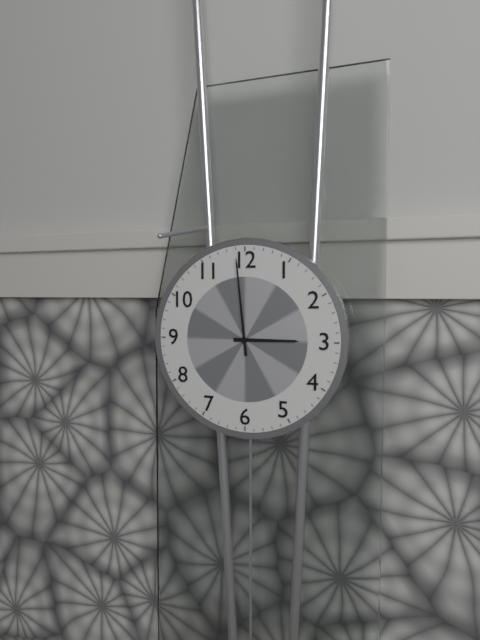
{"hour": 2, "minute": 59}
